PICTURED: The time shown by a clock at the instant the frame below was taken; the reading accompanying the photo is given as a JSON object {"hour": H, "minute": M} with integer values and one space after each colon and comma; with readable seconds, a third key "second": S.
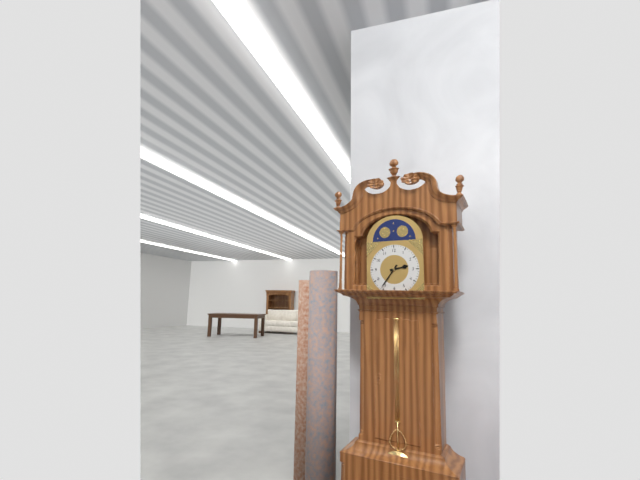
{"hour": 2, "minute": 36}
